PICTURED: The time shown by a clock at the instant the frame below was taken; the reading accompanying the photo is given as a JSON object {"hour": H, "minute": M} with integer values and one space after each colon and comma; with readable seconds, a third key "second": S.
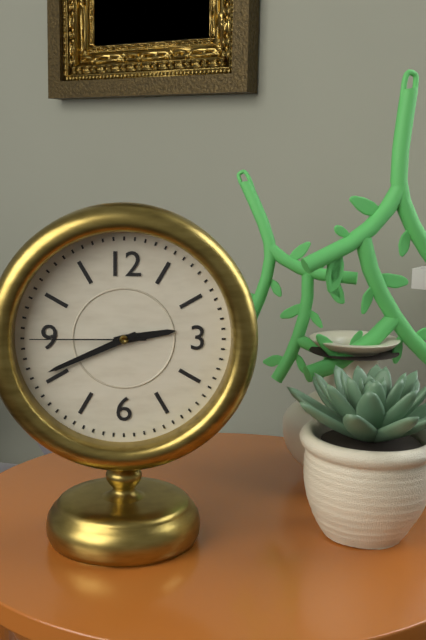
{"hour": 2, "minute": 41, "second": 45}
